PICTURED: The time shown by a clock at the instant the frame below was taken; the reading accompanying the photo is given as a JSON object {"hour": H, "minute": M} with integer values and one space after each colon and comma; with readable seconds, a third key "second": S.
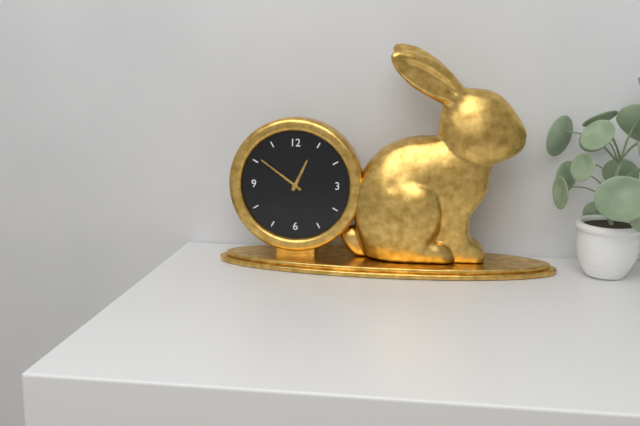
{"hour": 12, "minute": 51}
